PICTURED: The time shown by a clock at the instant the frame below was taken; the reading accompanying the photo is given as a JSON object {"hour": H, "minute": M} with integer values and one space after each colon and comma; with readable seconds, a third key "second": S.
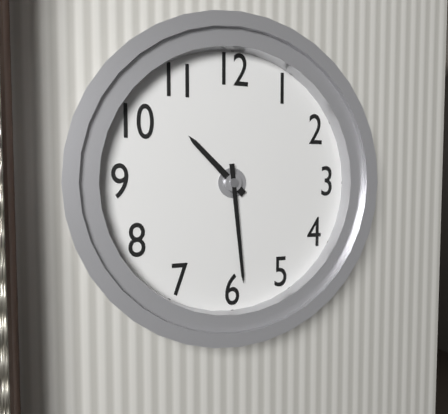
{"hour": 10, "minute": 29}
